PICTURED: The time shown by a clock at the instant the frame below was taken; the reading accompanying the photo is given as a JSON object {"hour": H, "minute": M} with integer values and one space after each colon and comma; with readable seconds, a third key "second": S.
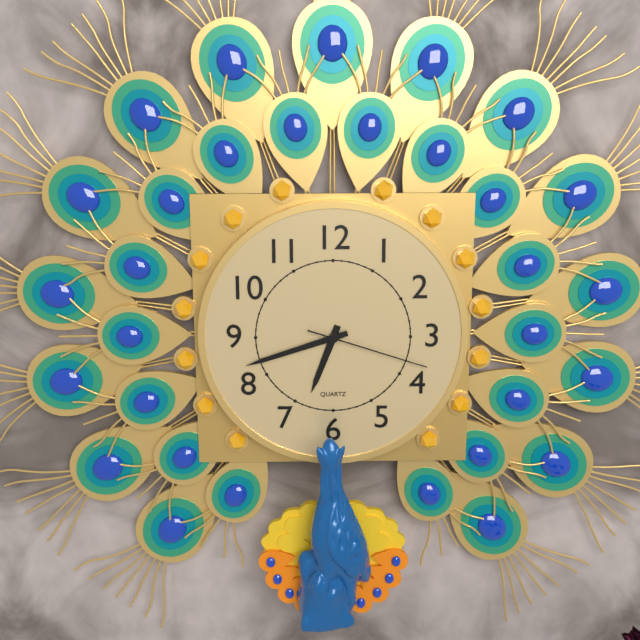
{"hour": 6, "minute": 42, "second": 18}
